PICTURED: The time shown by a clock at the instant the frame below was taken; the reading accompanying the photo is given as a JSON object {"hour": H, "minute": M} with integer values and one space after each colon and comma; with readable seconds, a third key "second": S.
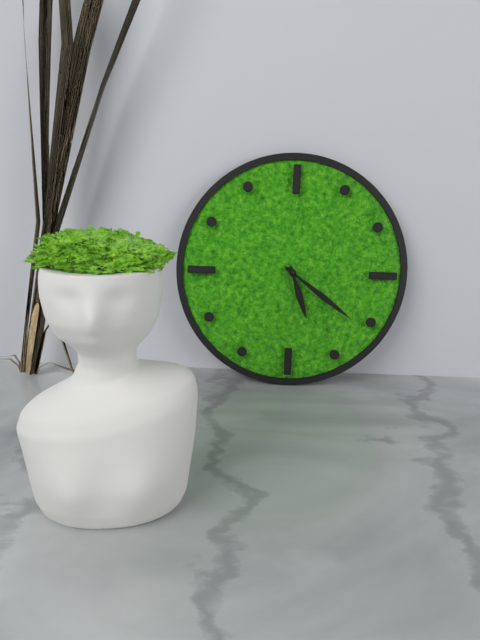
{"hour": 5, "minute": 21}
